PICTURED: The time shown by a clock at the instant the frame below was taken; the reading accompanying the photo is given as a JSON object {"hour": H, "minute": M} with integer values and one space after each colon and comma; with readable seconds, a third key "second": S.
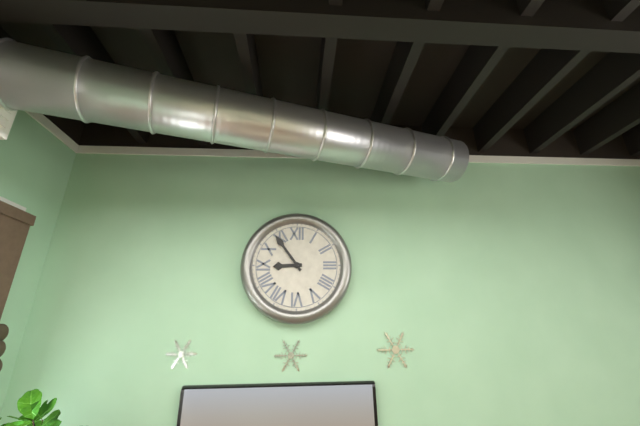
{"hour": 8, "minute": 54}
